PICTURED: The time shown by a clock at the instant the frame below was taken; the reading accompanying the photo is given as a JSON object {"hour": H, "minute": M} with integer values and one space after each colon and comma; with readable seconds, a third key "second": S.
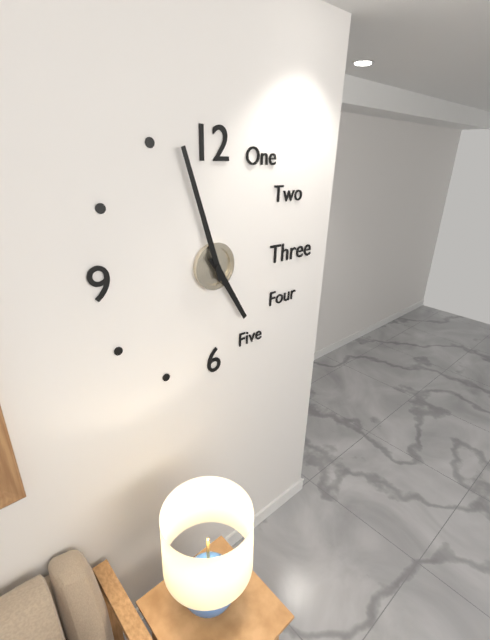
{"hour": 4, "minute": 57}
